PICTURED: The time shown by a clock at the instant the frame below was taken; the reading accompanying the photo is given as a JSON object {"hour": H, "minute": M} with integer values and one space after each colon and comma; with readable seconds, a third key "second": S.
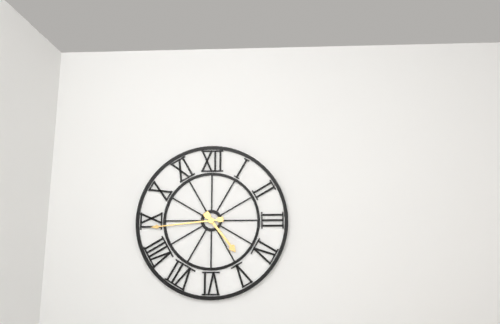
{"hour": 4, "minute": 44}
